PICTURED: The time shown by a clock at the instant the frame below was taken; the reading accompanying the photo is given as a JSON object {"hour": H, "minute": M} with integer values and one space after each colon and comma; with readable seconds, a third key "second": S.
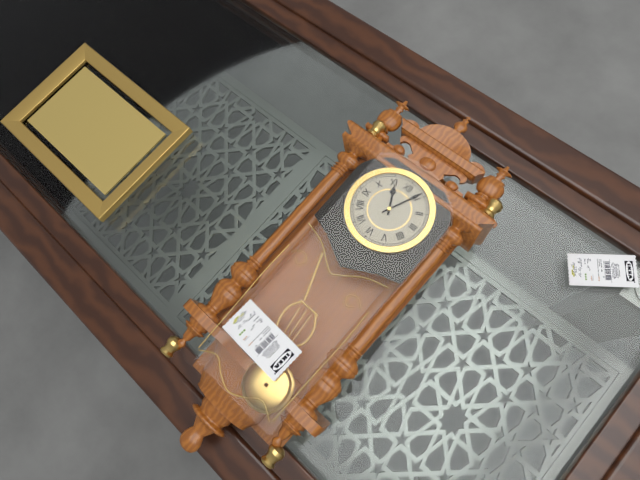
{"hour": 11, "minute": 4}
